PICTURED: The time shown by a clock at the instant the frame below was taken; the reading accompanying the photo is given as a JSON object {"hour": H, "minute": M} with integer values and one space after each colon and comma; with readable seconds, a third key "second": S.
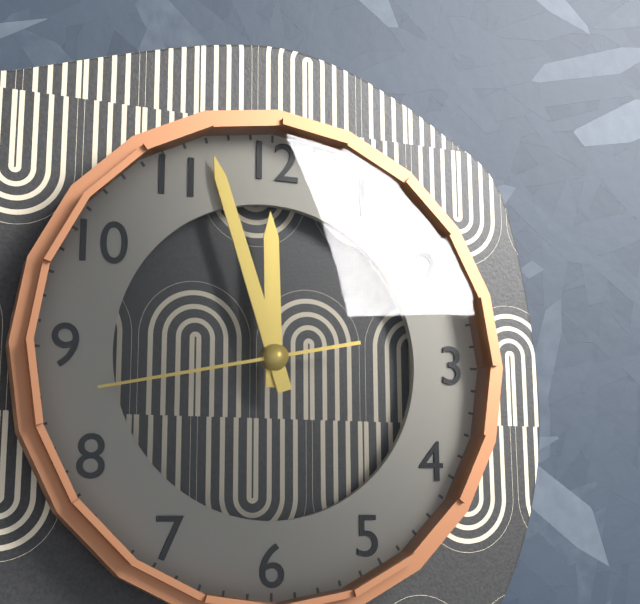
{"hour": 11, "minute": 57, "second": 43}
